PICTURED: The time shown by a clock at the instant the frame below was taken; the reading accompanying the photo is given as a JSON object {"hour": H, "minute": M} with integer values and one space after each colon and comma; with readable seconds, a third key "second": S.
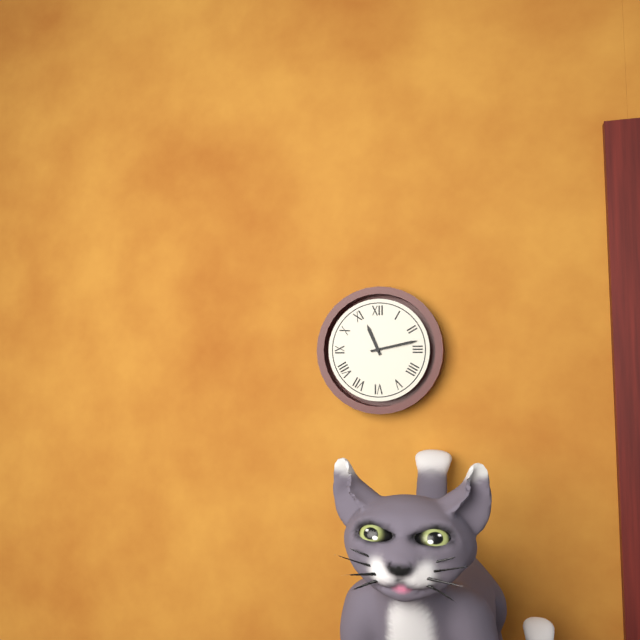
{"hour": 11, "minute": 13}
